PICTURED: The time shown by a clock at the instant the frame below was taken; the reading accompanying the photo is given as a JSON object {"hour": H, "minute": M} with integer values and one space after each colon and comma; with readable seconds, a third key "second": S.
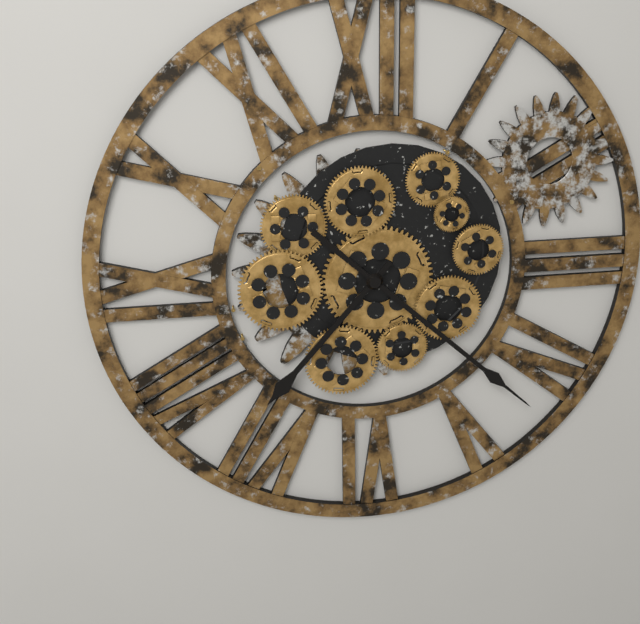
{"hour": 7, "minute": 22}
